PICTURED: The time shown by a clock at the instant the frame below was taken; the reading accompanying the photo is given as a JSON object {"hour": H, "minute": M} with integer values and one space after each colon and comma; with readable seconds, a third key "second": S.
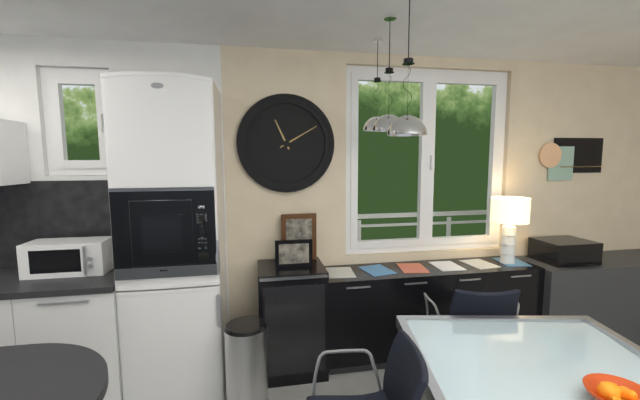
{"hour": 11, "minute": 10}
